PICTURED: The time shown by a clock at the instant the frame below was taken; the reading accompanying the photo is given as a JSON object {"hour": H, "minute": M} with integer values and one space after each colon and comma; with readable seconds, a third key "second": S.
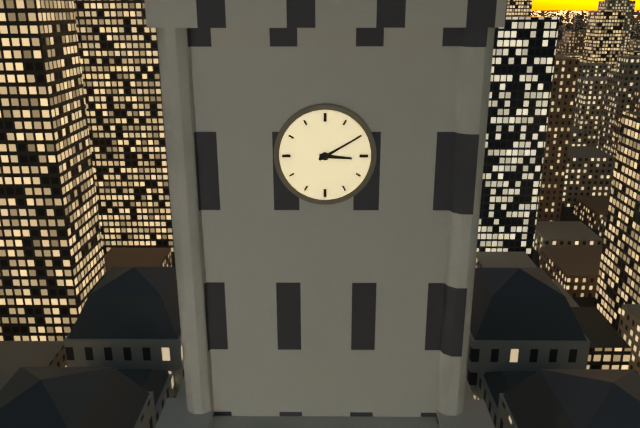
{"hour": 3, "minute": 10}
